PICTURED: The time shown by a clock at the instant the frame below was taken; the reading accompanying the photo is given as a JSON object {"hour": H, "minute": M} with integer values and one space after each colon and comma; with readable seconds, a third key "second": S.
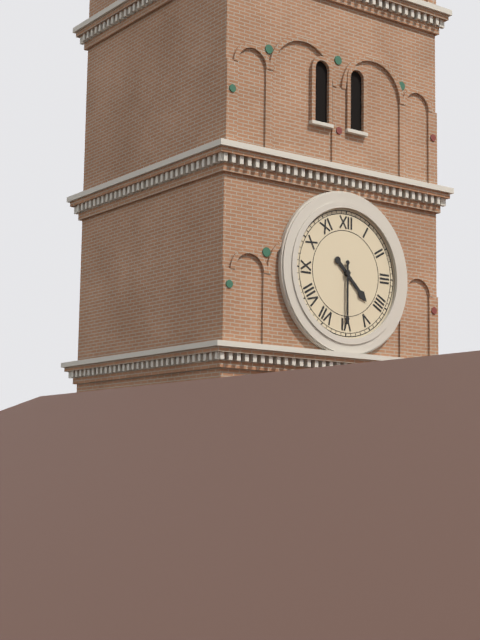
{"hour": 4, "minute": 30}
